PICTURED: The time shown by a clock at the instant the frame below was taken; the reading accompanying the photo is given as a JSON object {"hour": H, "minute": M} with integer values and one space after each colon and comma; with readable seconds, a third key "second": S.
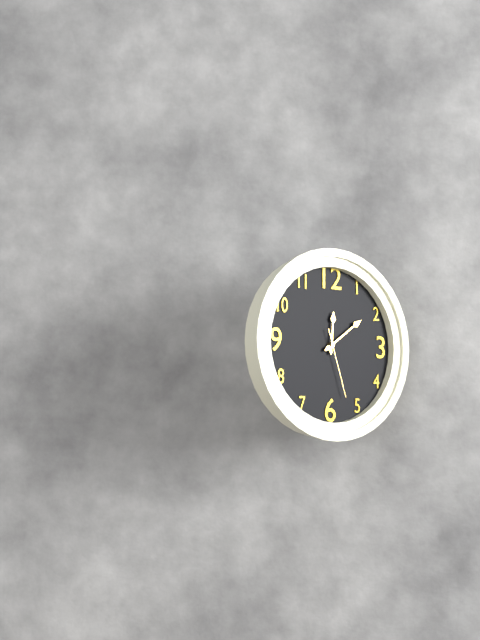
{"hour": 12, "minute": 9, "second": 27}
